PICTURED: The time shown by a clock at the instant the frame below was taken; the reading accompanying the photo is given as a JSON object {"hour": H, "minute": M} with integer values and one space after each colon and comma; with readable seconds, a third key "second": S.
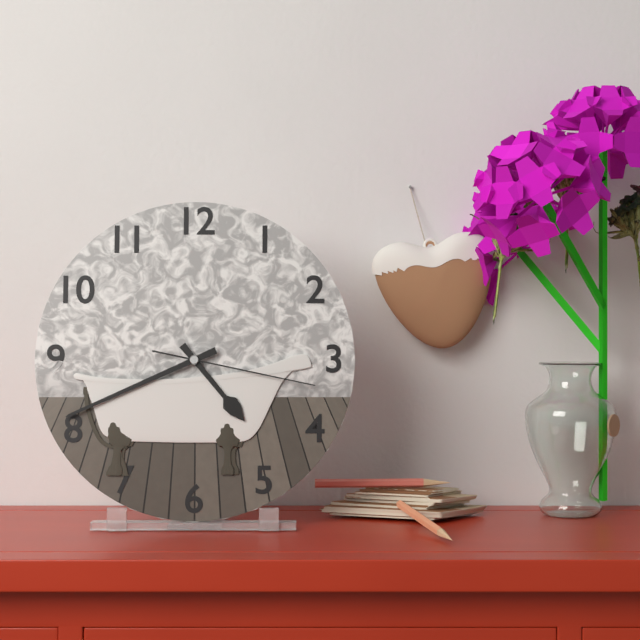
{"hour": 4, "minute": 41, "second": 17}
